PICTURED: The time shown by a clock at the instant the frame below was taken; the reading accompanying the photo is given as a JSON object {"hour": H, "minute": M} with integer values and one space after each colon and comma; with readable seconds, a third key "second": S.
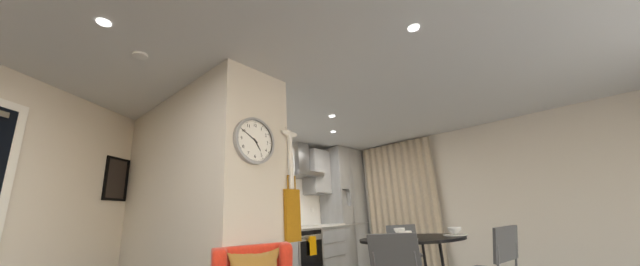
{"hour": 4, "minute": 50}
